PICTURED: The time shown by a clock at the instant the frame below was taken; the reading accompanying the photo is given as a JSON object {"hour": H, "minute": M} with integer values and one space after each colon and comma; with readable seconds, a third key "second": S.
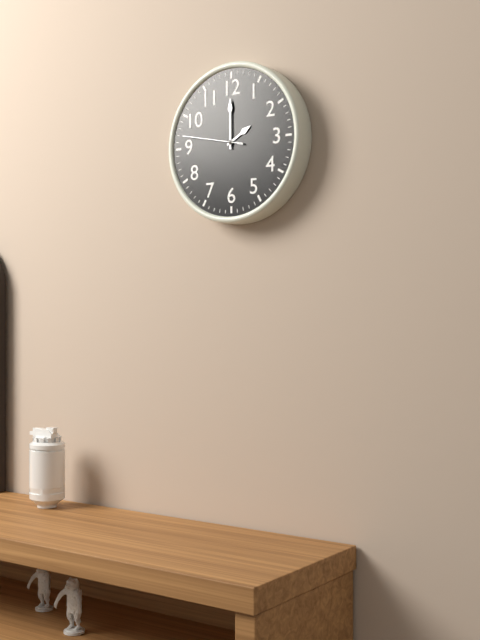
{"hour": 2, "minute": 0, "second": 47}
